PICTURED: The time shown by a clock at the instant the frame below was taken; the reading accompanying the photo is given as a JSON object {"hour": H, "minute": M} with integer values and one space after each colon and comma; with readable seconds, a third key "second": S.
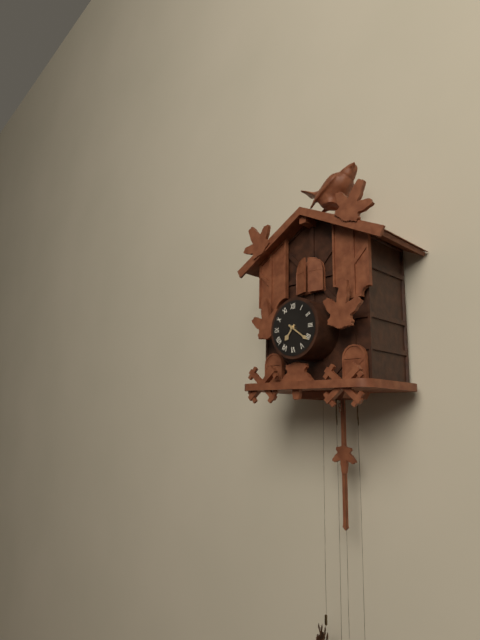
{"hour": 7, "minute": 21}
